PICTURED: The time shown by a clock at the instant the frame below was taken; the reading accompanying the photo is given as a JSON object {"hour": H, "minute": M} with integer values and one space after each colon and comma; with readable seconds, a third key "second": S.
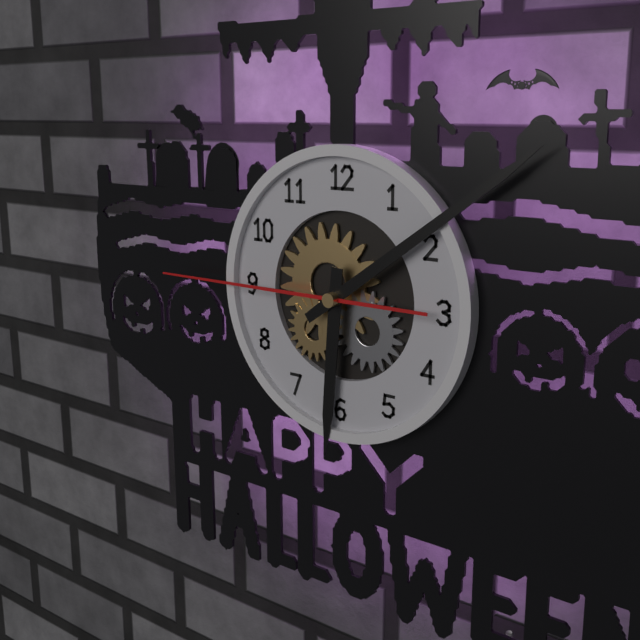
{"hour": 6, "minute": 9, "second": 45}
